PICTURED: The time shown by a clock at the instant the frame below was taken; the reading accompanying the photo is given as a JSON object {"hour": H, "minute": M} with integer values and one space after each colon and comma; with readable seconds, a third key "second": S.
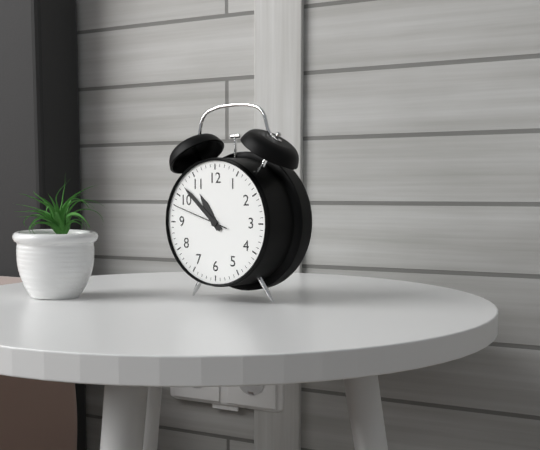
{"hour": 10, "minute": 52, "second": 48}
